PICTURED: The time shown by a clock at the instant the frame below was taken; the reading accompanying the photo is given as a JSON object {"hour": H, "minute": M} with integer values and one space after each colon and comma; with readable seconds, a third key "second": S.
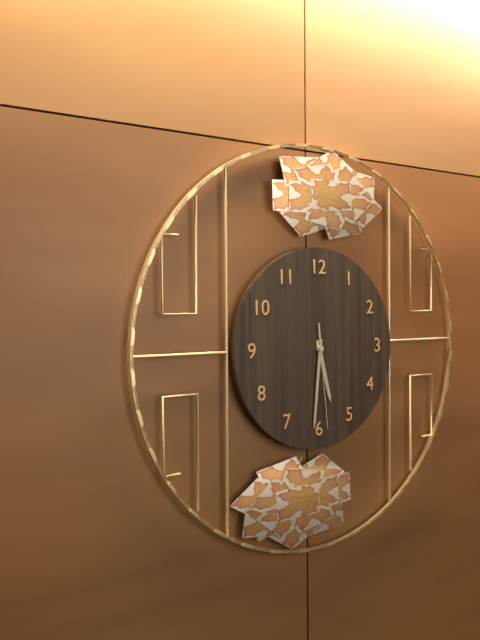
{"hour": 5, "minute": 31, "second": 29}
